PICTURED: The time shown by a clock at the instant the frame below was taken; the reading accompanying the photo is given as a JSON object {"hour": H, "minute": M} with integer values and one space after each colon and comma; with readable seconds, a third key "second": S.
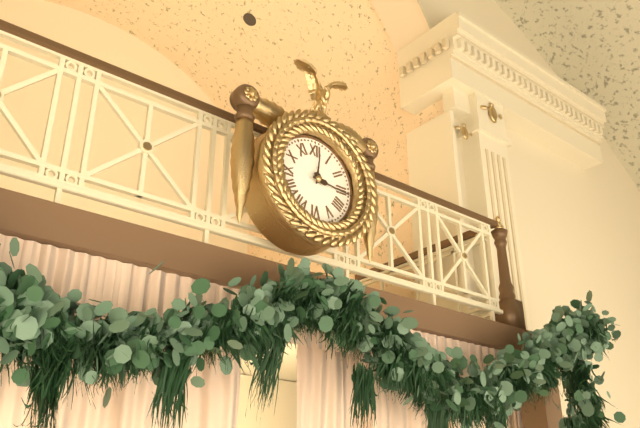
{"hour": 12, "minute": 16}
